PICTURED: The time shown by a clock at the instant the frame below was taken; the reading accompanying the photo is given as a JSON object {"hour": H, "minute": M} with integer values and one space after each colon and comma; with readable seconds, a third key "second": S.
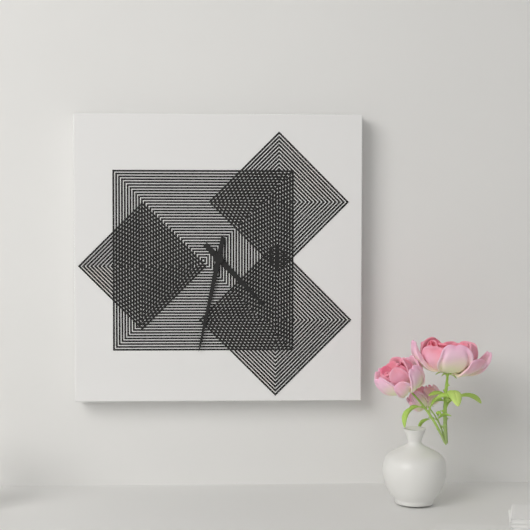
{"hour": 4, "minute": 32}
